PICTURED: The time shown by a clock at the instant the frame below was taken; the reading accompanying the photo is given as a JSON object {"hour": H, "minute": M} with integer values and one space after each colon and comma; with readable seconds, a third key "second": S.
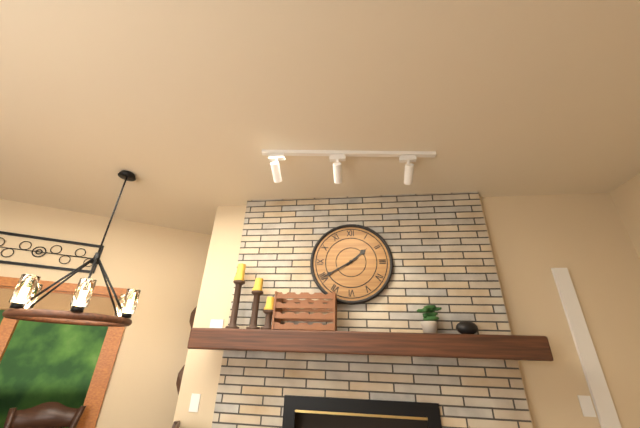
{"hour": 1, "minute": 40}
